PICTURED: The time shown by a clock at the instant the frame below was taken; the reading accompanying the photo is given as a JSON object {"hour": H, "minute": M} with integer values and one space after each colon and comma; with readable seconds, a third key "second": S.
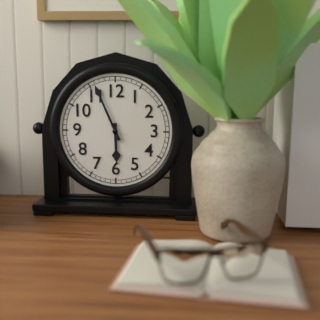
{"hour": 5, "minute": 56}
